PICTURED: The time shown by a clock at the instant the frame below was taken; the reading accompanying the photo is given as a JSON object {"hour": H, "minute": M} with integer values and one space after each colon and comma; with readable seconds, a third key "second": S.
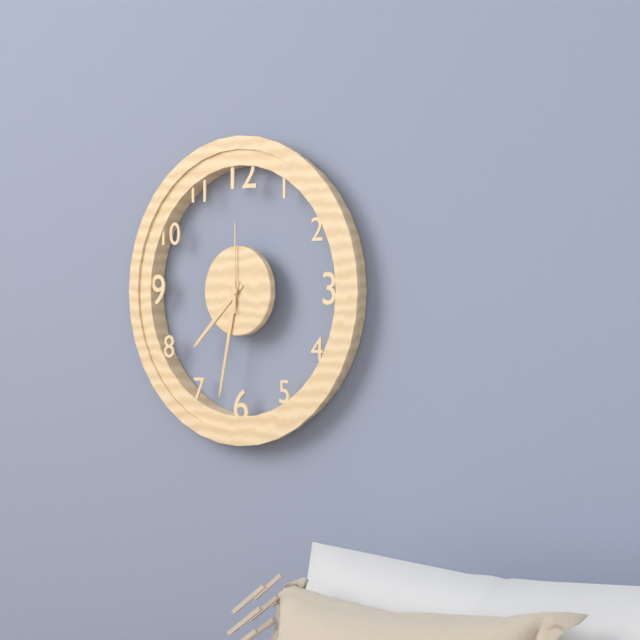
{"hour": 7, "minute": 32, "second": 0}
